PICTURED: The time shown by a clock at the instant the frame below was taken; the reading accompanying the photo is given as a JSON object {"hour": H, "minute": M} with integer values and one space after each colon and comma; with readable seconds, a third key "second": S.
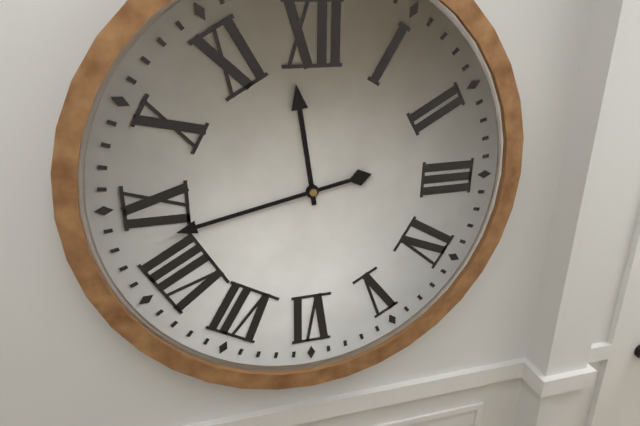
{"hour": 11, "minute": 43}
